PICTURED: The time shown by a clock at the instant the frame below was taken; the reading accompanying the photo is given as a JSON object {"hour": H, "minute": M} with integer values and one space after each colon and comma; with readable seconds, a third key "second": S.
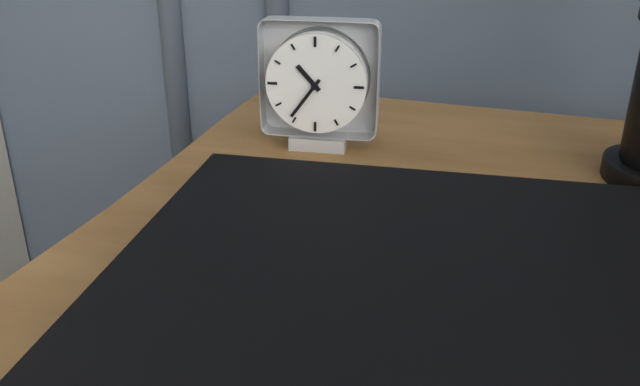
{"hour": 10, "minute": 36}
